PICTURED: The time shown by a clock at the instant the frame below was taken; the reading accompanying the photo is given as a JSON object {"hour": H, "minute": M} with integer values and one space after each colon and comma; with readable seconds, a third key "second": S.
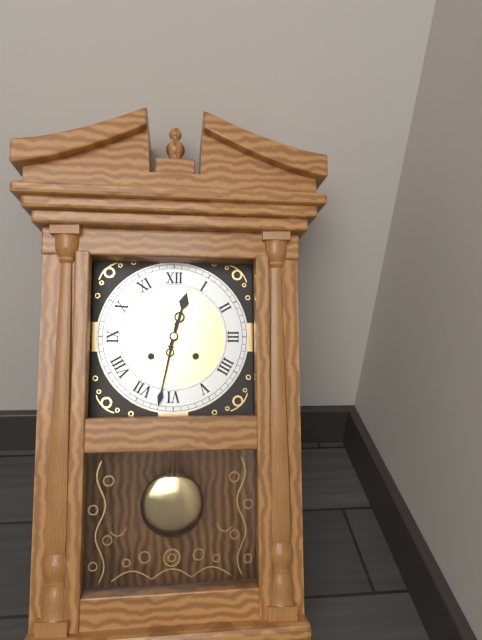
{"hour": 12, "minute": 32}
